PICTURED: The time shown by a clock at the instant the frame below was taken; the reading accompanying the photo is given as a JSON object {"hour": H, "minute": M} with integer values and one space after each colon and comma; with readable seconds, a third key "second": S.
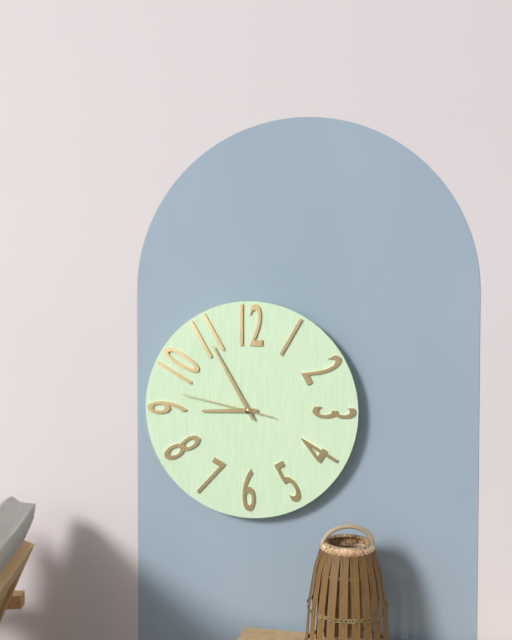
{"hour": 8, "minute": 55, "second": 47}
